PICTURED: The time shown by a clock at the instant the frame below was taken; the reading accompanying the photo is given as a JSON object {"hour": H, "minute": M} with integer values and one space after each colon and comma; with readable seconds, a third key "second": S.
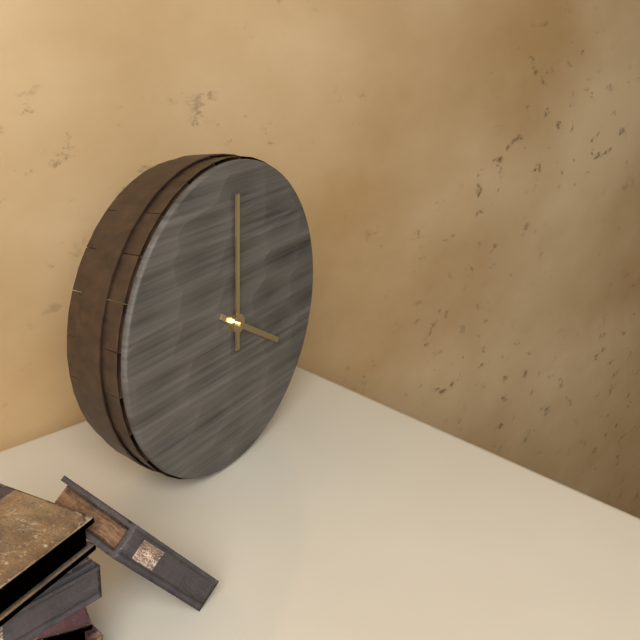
{"hour": 4, "minute": 0}
